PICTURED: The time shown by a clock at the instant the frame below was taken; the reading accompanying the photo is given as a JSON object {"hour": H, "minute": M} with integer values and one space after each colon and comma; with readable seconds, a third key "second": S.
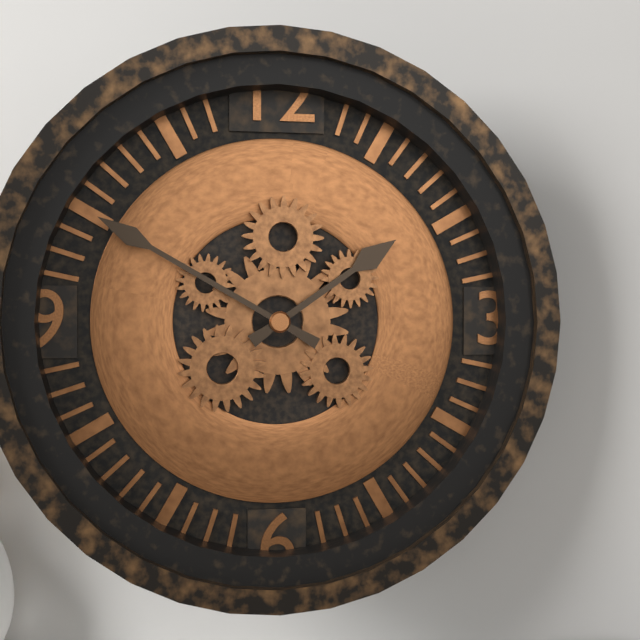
{"hour": 1, "minute": 50}
